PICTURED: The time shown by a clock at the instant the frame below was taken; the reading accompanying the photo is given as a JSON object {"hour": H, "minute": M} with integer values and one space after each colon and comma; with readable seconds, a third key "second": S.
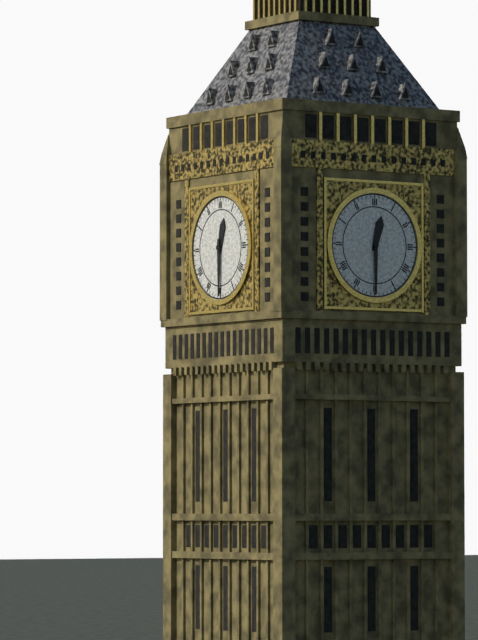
{"hour": 12, "minute": 30}
